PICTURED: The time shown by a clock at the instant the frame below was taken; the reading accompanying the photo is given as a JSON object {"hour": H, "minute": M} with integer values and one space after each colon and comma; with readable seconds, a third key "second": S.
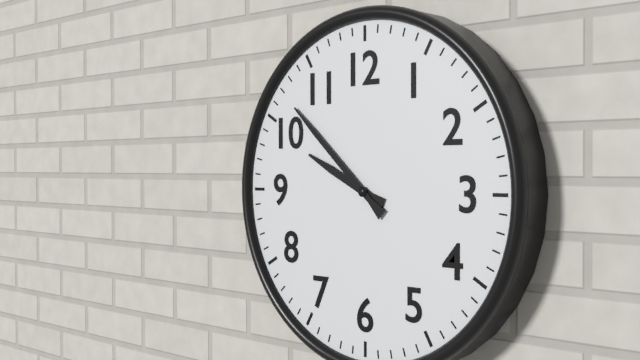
{"hour": 9, "minute": 52}
